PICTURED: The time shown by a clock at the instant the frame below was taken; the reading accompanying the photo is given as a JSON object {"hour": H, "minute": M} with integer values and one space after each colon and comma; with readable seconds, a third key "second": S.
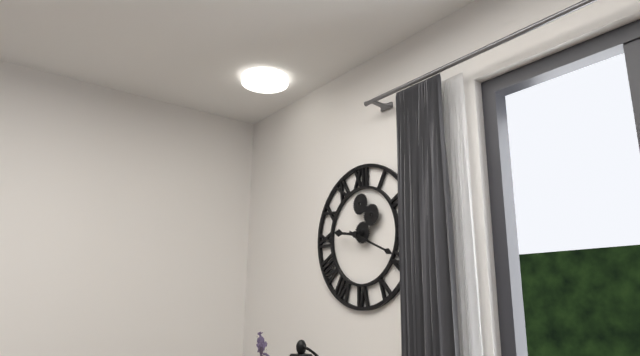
{"hour": 9, "minute": 19}
